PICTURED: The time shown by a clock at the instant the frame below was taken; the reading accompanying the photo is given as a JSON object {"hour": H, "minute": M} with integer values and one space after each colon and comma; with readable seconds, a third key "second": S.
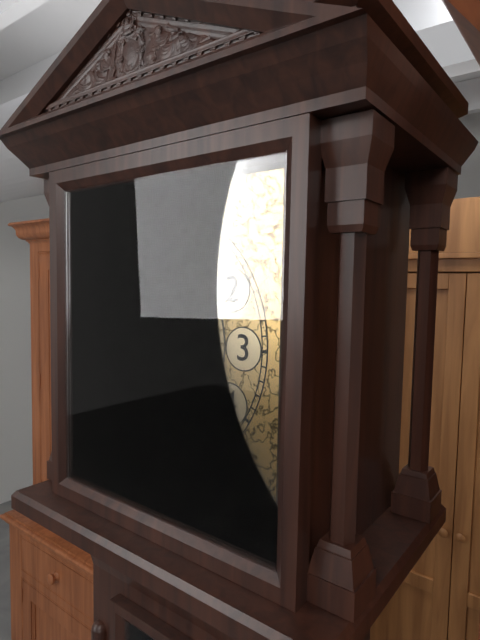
{"hour": 6, "minute": 56}
